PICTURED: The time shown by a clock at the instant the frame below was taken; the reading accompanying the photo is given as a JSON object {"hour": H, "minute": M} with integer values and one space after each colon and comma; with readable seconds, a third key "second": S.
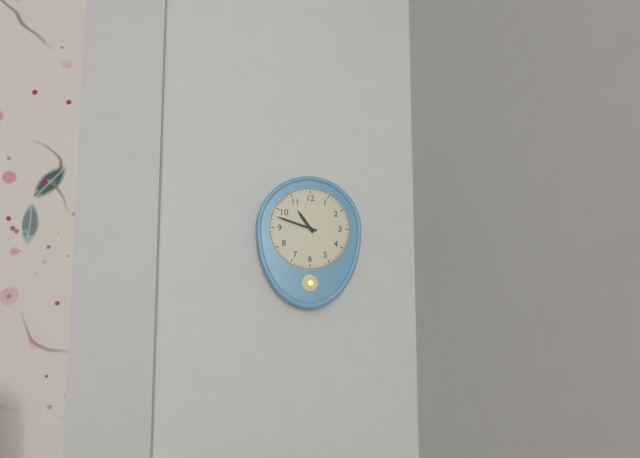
{"hour": 10, "minute": 48}
